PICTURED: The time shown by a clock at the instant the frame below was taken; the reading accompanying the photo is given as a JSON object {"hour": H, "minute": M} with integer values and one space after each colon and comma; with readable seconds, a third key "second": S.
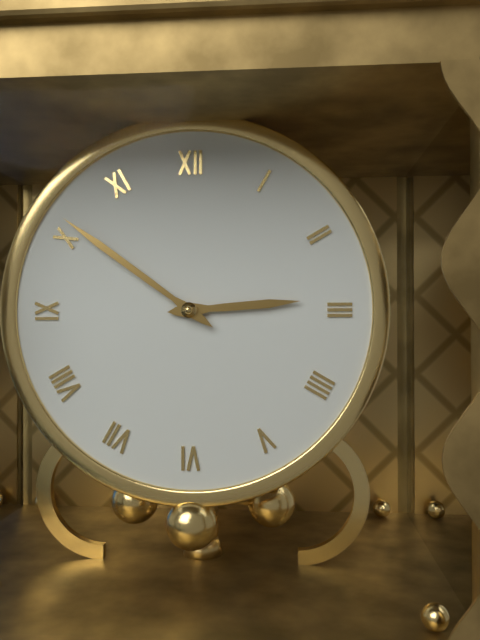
{"hour": 2, "minute": 51}
